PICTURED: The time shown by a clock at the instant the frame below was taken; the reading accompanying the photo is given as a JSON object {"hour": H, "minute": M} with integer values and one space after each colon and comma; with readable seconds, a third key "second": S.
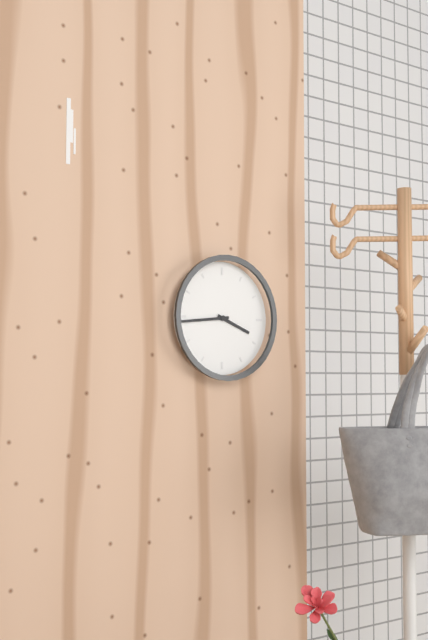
{"hour": 3, "minute": 44}
